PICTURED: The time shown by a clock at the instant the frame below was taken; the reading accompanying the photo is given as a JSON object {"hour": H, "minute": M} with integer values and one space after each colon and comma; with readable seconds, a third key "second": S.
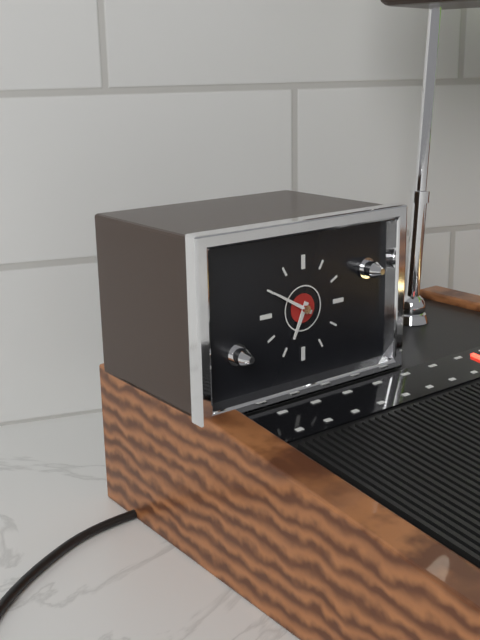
{"hour": 6, "minute": 50}
